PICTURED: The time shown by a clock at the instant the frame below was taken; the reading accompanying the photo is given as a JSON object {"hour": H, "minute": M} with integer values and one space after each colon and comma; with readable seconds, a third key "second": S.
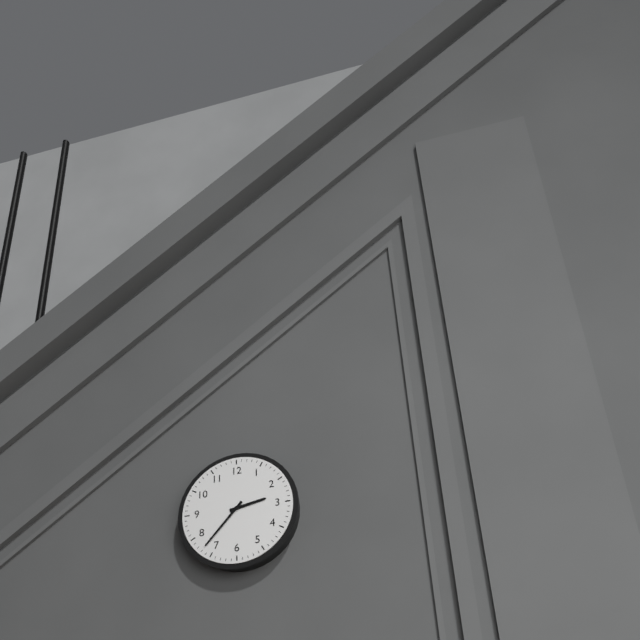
{"hour": 2, "minute": 37}
